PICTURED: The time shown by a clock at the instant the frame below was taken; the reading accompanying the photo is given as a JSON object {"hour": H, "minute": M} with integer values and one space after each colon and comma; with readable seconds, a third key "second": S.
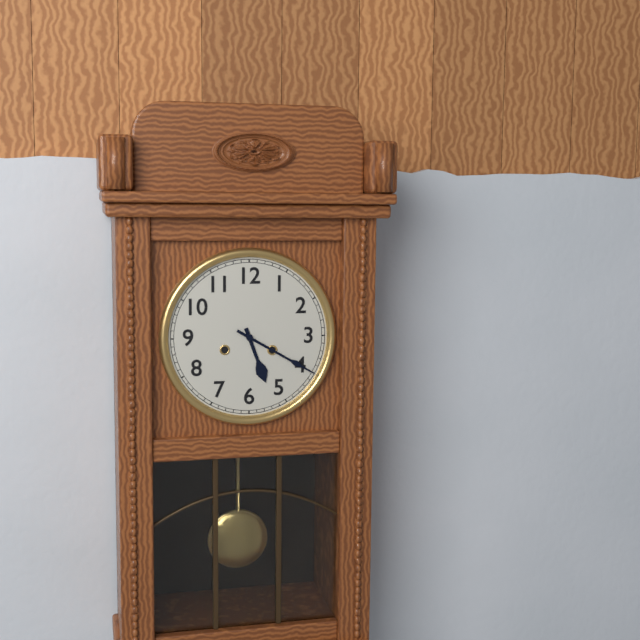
{"hour": 5, "minute": 20}
